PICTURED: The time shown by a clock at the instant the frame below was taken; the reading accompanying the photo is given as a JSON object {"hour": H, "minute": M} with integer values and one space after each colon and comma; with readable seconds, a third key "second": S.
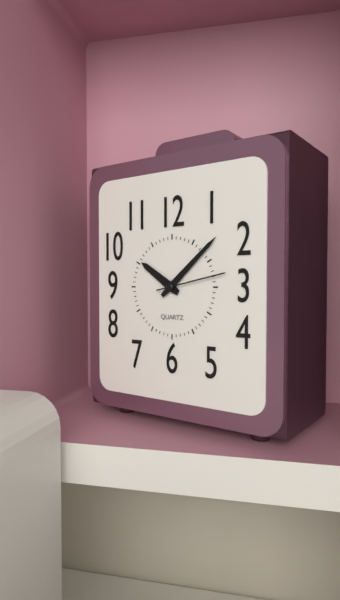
{"hour": 10, "minute": 8, "second": 13}
